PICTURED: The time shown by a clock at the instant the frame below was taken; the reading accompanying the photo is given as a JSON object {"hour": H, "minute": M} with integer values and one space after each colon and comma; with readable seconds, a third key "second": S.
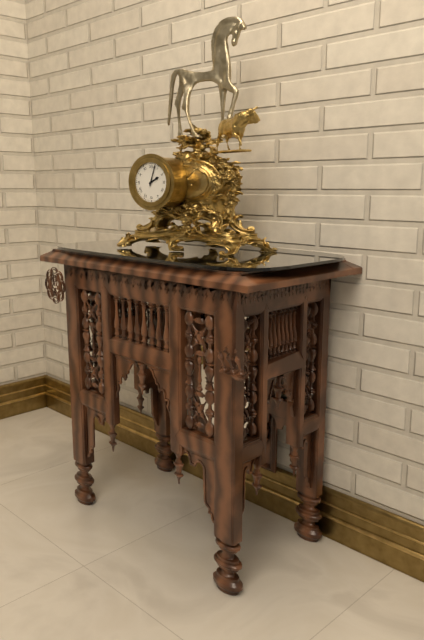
{"hour": 2, "minute": 3}
